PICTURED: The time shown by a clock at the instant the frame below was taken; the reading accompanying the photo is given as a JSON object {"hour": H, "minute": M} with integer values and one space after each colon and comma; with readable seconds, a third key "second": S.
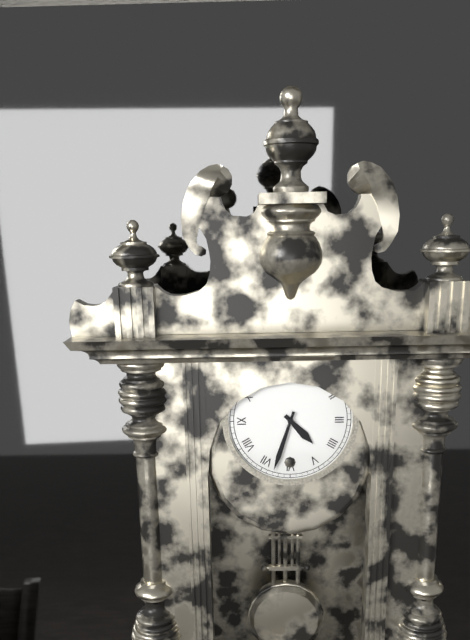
{"hour": 4, "minute": 33}
